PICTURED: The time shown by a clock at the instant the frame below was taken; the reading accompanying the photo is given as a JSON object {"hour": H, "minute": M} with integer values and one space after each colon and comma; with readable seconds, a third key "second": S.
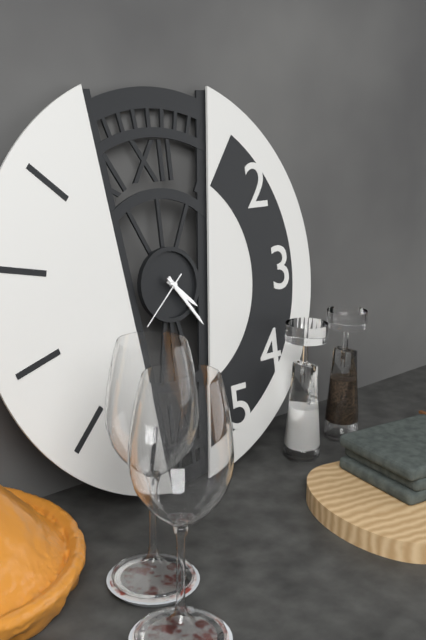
{"hour": 4, "minute": 24, "second": 38}
